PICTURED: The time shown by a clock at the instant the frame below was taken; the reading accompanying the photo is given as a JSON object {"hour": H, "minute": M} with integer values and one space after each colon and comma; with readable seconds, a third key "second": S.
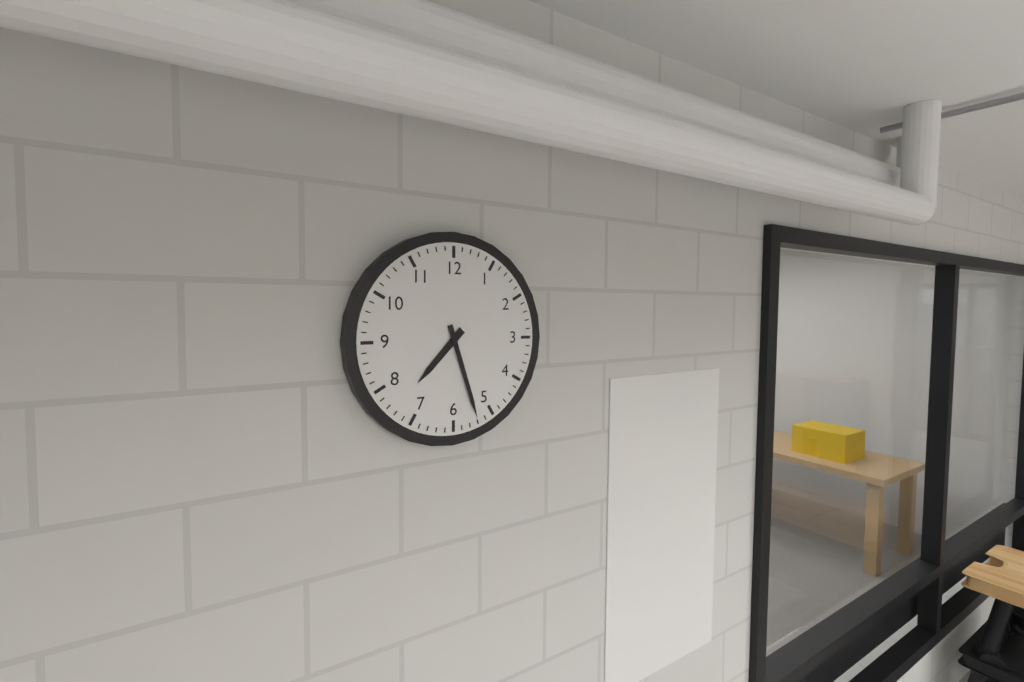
{"hour": 7, "minute": 27}
